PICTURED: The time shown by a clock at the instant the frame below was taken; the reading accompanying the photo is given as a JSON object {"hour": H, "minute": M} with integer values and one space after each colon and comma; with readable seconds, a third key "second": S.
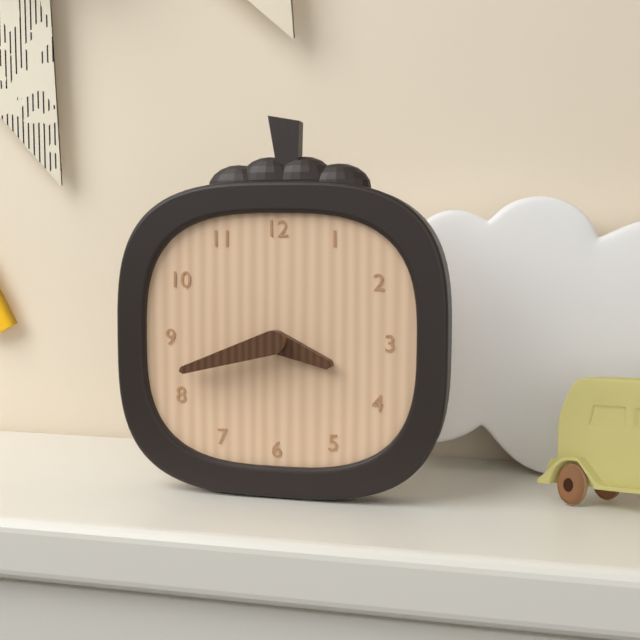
{"hour": 3, "minute": 42}
